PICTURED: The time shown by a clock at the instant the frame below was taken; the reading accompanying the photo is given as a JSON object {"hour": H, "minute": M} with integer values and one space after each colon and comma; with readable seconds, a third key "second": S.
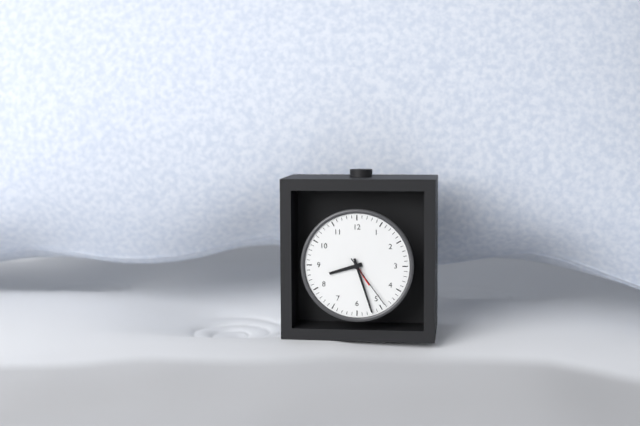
{"hour": 8, "minute": 27, "second": 24}
